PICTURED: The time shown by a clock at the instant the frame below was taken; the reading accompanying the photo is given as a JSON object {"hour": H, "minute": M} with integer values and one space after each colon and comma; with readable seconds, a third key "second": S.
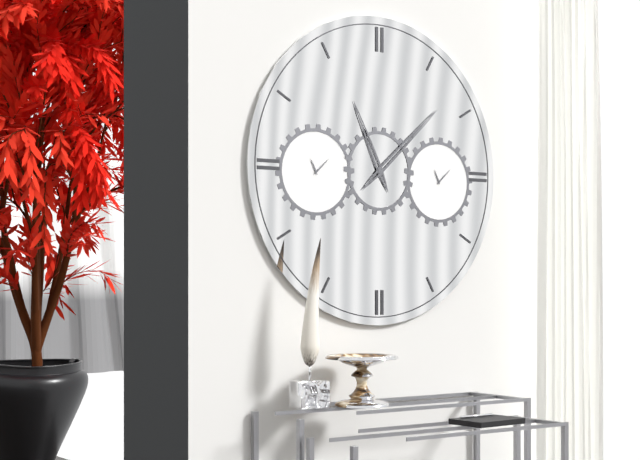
{"hour": 11, "minute": 8}
